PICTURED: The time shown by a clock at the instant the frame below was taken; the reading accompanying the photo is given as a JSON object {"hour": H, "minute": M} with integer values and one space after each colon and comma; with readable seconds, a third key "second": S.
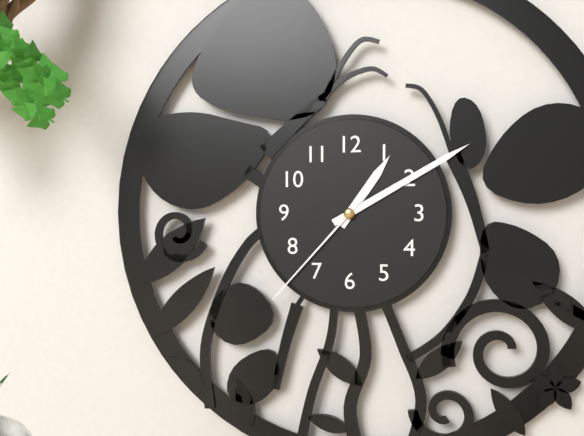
{"hour": 1, "minute": 10, "second": 37}
